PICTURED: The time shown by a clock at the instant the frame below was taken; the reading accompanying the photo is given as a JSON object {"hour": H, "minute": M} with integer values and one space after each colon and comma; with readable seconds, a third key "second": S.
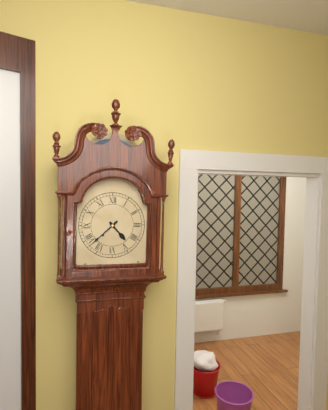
{"hour": 4, "minute": 38}
